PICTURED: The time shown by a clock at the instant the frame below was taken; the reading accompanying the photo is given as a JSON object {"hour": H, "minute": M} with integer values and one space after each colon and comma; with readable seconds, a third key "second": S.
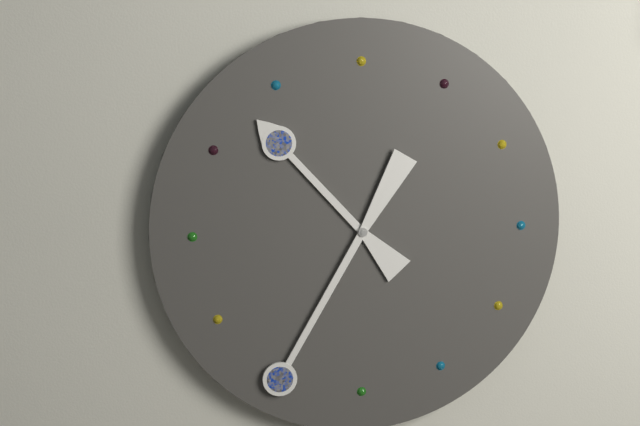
{"hour": 10, "minute": 35}
